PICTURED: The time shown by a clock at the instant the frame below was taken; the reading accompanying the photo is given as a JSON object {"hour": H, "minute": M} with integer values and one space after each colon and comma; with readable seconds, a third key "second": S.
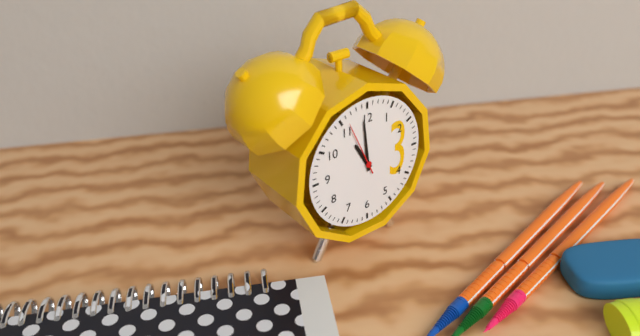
{"hour": 10, "minute": 59, "second": 56}
